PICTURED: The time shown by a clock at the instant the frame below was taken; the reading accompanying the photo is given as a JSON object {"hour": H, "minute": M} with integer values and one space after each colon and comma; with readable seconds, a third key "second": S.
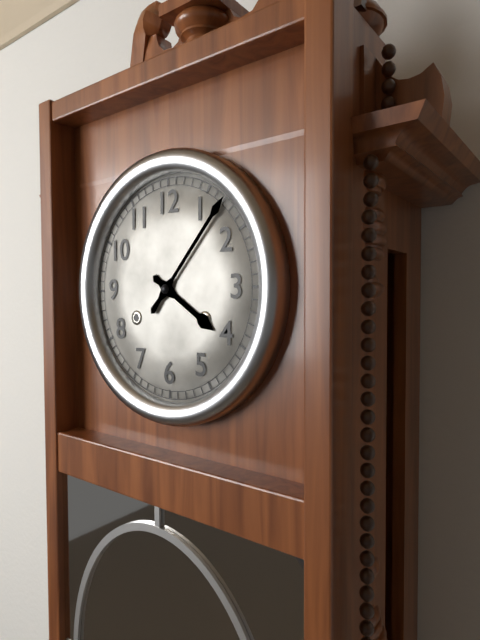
{"hour": 4, "minute": 7}
